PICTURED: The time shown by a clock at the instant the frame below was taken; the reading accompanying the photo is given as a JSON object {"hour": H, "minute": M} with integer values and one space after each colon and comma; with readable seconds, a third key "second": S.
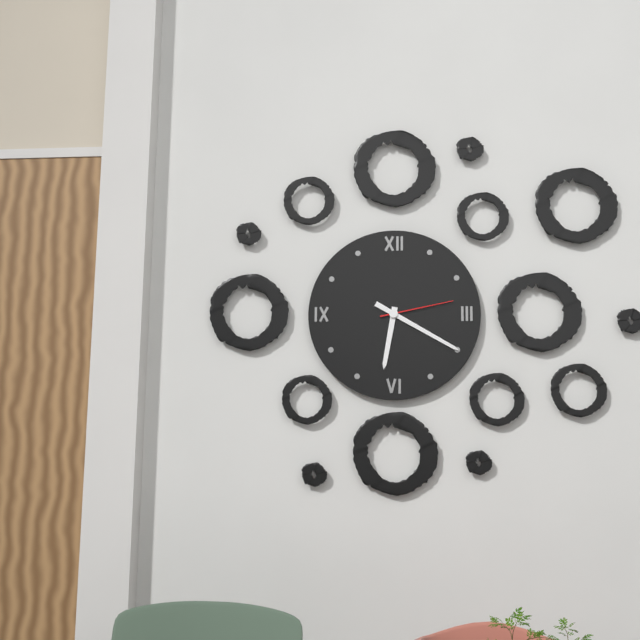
{"hour": 6, "minute": 20, "second": 13}
